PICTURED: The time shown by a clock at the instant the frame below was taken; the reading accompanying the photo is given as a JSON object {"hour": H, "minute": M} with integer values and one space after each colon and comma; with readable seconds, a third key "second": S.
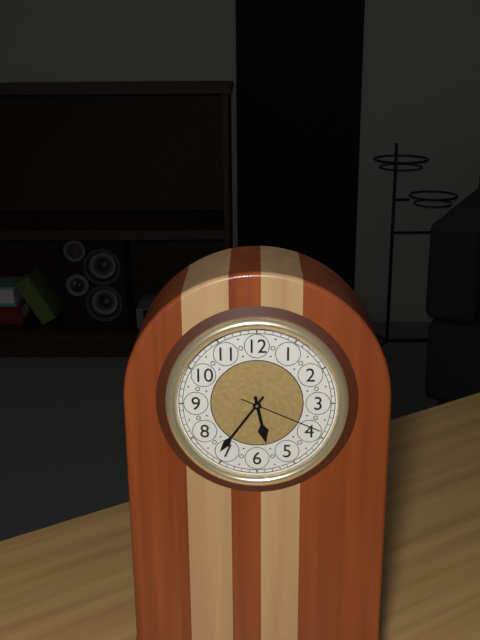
{"hour": 5, "minute": 36, "second": 19}
